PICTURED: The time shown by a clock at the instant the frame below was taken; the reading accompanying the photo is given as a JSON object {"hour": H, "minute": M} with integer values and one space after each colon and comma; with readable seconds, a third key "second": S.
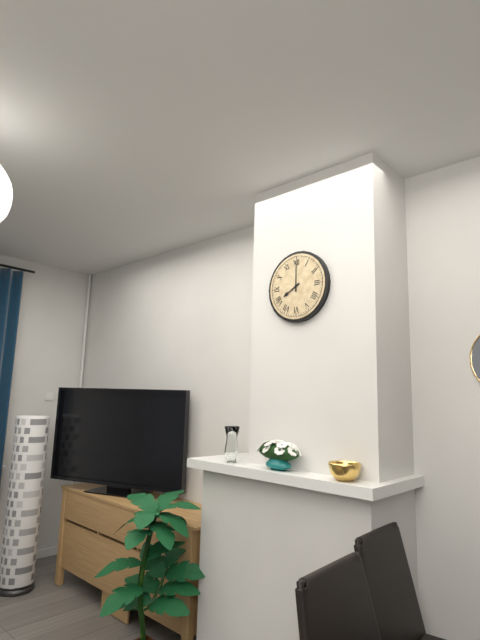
{"hour": 8, "minute": 0}
